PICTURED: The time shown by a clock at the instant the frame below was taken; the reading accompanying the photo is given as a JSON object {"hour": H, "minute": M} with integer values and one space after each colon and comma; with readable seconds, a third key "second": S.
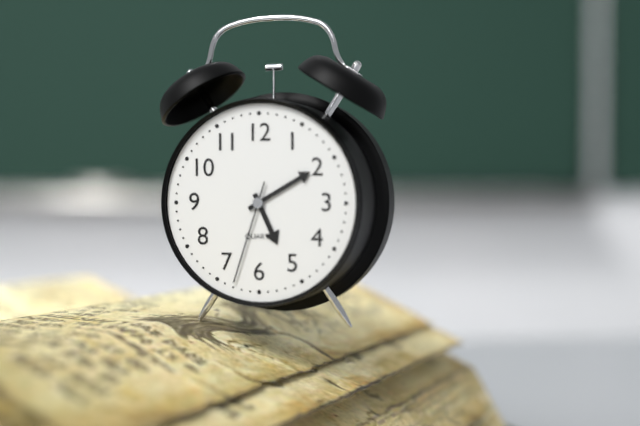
{"hour": 5, "minute": 10, "second": 33}
